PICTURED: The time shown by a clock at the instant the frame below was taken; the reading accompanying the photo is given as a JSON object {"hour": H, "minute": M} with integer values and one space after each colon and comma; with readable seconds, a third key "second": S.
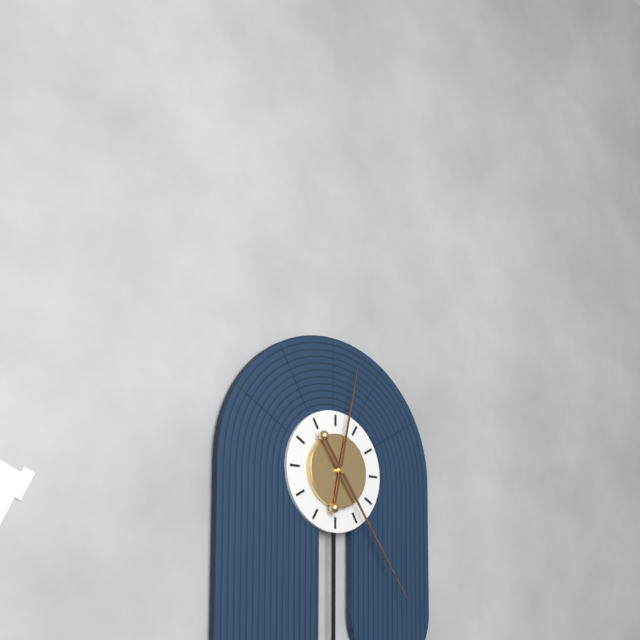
{"hour": 12, "minute": 24}
